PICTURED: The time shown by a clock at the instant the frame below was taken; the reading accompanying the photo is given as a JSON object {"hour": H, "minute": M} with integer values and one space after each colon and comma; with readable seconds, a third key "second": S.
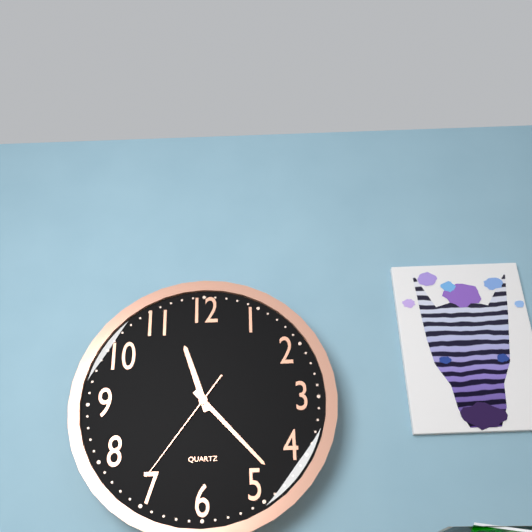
{"hour": 11, "minute": 23, "second": 36}
